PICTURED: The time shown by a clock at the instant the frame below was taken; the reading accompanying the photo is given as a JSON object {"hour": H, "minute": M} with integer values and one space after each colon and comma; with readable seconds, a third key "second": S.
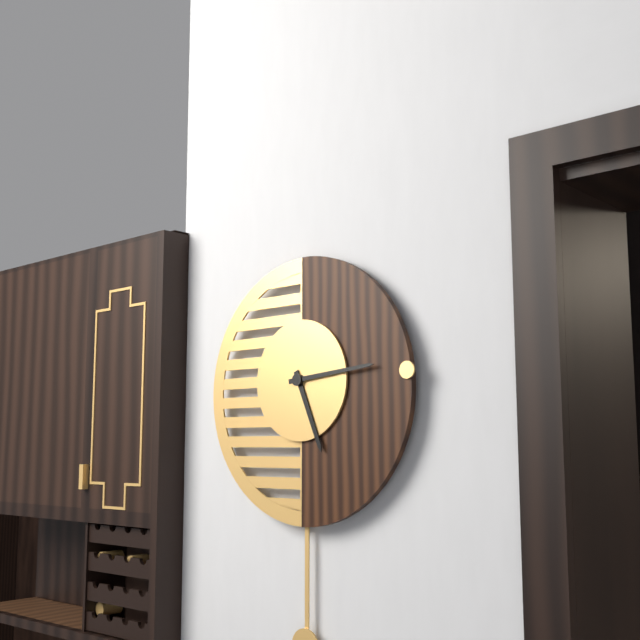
{"hour": 5, "minute": 14}
